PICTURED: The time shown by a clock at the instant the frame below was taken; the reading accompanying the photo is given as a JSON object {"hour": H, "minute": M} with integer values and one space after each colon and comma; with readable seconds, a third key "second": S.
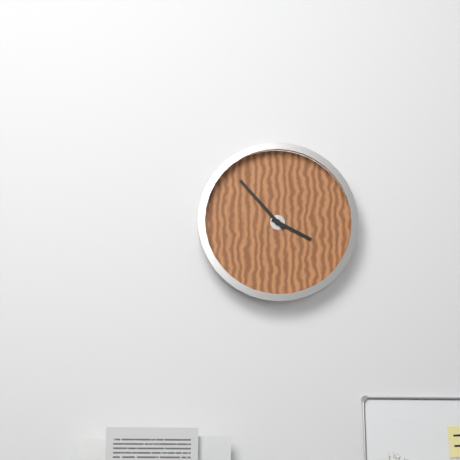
{"hour": 3, "minute": 53}
